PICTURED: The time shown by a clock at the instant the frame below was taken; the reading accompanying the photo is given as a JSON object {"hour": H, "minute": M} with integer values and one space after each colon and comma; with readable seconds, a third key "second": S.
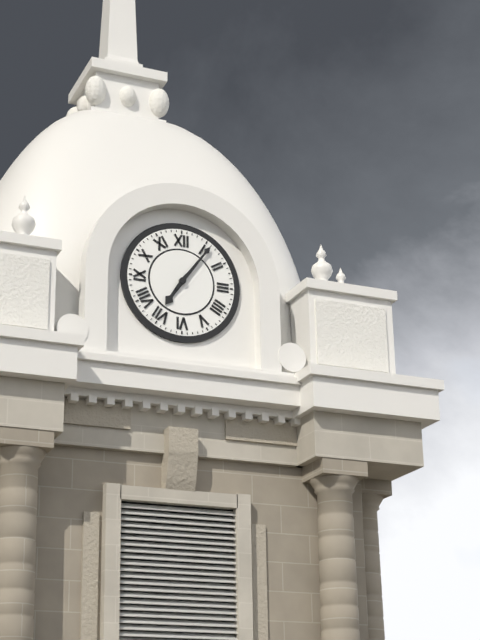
{"hour": 7, "minute": 6}
